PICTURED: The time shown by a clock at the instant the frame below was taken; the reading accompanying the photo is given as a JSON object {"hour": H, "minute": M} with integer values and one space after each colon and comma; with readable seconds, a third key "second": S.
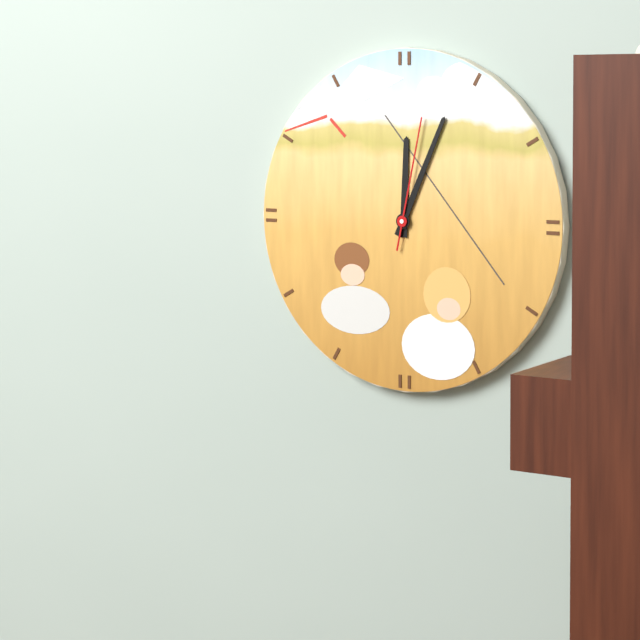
{"hour": 12, "minute": 4, "second": 2}
